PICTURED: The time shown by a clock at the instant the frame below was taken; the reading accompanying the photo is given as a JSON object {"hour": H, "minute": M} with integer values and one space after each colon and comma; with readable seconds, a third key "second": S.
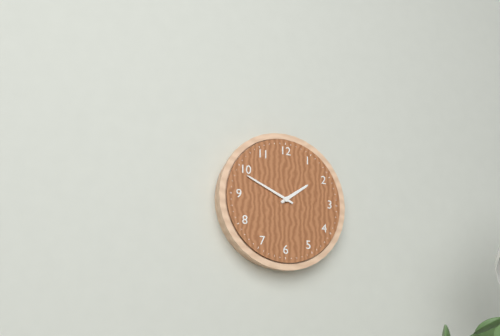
{"hour": 1, "minute": 49}
